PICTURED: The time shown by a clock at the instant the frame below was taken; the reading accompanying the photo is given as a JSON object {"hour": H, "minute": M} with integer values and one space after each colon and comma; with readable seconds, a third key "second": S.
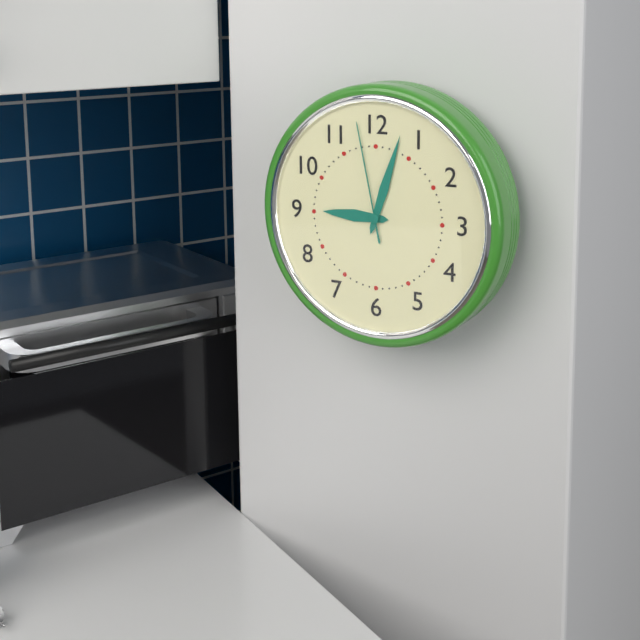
{"hour": 9, "minute": 3, "second": 58}
